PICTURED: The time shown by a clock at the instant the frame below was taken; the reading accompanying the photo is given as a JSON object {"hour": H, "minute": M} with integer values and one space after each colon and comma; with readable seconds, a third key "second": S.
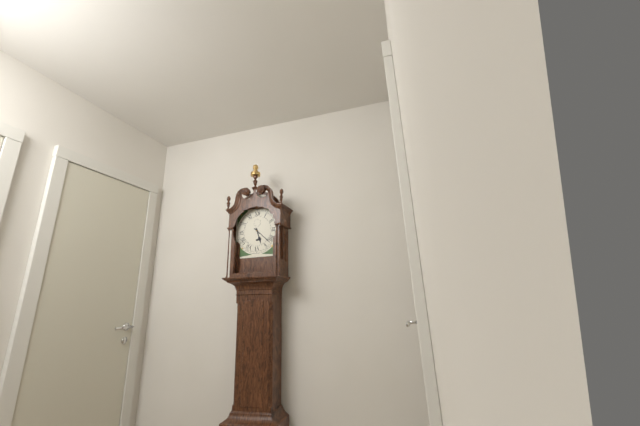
{"hour": 5, "minute": 22}
